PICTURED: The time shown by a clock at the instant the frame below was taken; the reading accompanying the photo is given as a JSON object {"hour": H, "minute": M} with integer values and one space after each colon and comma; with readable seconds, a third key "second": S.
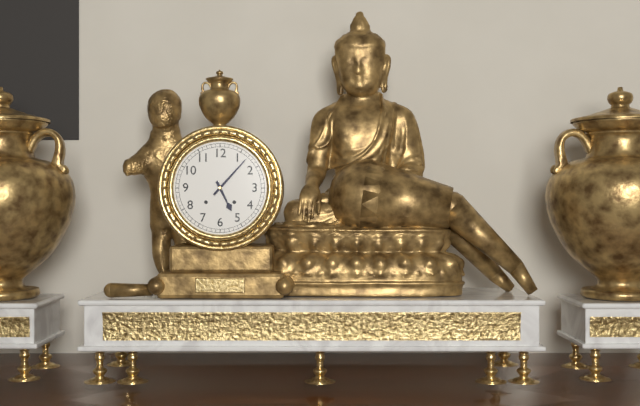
{"hour": 5, "minute": 7}
